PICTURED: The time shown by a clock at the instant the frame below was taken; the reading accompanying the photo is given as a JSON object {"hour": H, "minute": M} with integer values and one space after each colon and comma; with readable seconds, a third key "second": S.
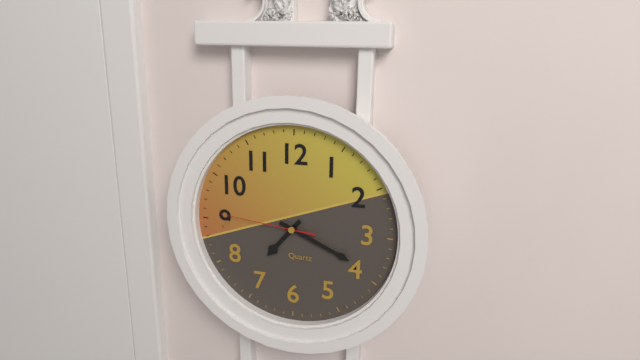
{"hour": 7, "minute": 19, "second": 46}
